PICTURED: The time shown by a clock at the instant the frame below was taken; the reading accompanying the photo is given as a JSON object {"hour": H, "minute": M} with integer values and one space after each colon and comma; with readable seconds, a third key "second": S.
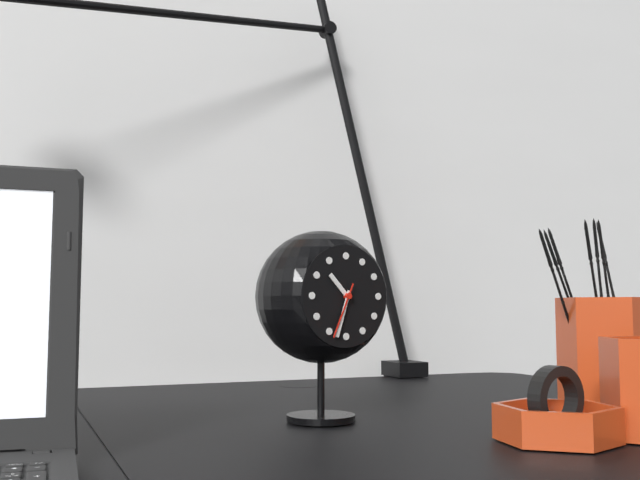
{"hour": 10, "minute": 33, "second": 34}
